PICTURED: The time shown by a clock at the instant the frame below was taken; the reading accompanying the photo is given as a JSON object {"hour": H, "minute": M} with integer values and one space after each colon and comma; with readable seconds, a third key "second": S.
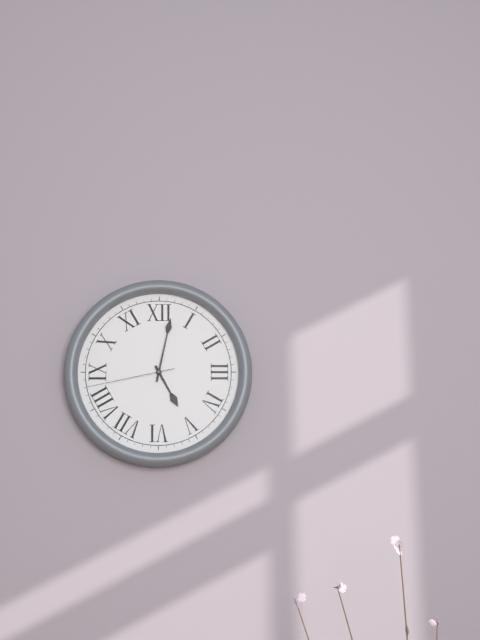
{"hour": 5, "minute": 2, "second": 43}
